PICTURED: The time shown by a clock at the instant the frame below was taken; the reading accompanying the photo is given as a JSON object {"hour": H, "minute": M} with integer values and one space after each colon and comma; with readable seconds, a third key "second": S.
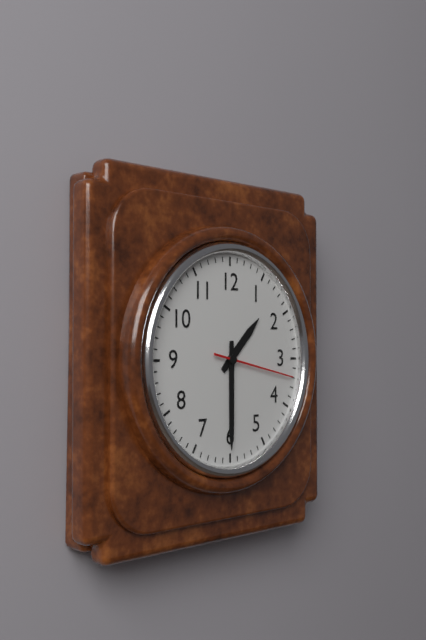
{"hour": 1, "minute": 30, "second": 17}
